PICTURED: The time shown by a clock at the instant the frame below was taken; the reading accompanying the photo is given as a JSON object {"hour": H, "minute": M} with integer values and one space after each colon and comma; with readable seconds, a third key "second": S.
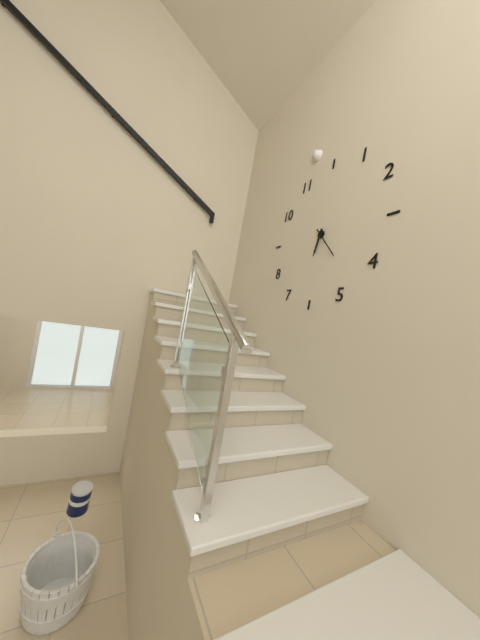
{"hour": 6, "minute": 23}
